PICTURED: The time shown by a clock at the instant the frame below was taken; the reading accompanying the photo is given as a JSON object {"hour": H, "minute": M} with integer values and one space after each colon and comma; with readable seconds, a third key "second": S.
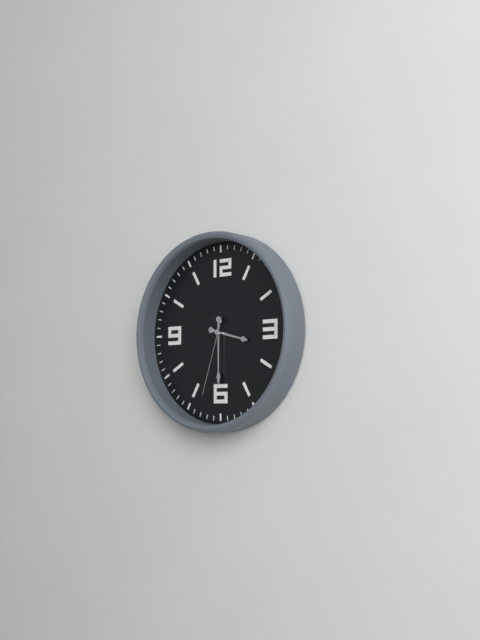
{"hour": 3, "minute": 30, "second": 33}
